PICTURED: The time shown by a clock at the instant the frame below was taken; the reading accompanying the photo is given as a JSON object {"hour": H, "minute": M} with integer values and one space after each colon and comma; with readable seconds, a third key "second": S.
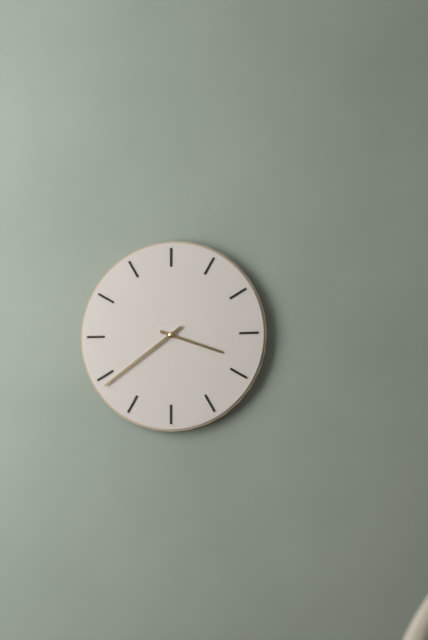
{"hour": 3, "minute": 39}
